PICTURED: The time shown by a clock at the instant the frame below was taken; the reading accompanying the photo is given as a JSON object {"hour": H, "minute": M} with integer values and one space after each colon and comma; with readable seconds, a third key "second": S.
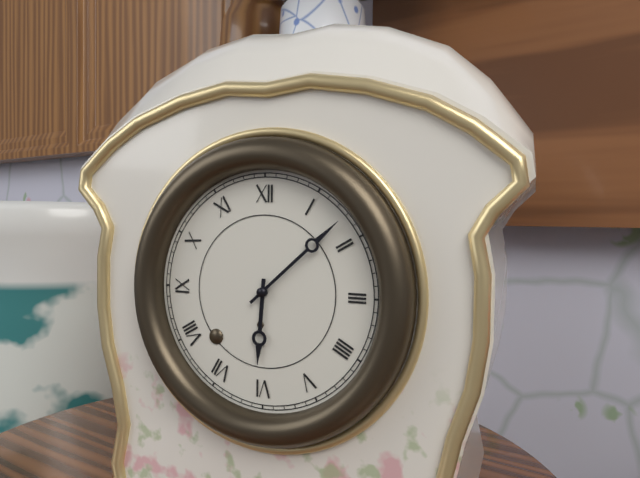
{"hour": 6, "minute": 8}
